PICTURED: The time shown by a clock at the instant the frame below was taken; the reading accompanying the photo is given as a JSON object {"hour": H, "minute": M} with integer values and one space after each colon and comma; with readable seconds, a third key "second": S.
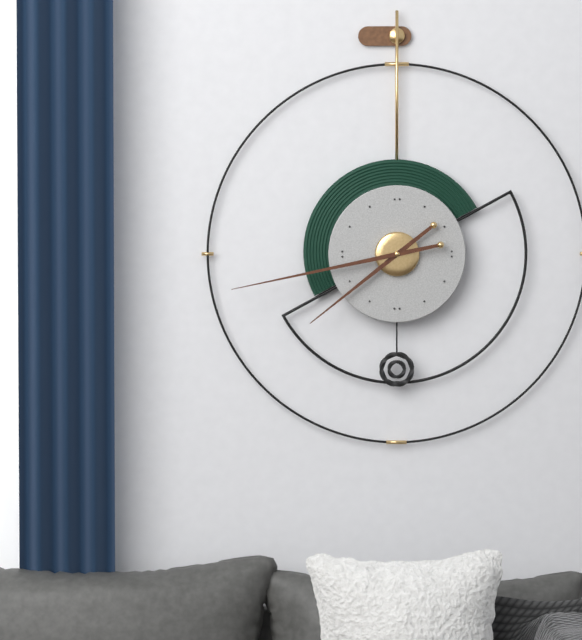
{"hour": 7, "minute": 43}
